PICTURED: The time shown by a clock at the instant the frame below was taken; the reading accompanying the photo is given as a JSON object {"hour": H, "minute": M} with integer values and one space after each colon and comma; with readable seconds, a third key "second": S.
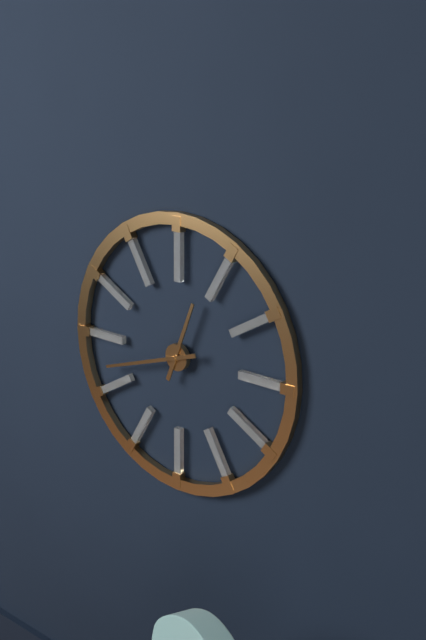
{"hour": 12, "minute": 42}
